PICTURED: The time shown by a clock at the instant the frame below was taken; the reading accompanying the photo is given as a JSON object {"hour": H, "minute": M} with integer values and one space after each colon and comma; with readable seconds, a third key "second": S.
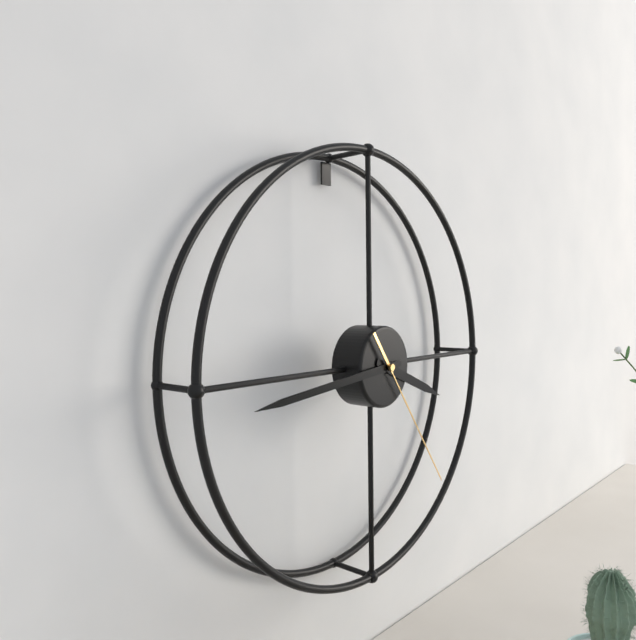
{"hour": 3, "minute": 44, "second": 24}
